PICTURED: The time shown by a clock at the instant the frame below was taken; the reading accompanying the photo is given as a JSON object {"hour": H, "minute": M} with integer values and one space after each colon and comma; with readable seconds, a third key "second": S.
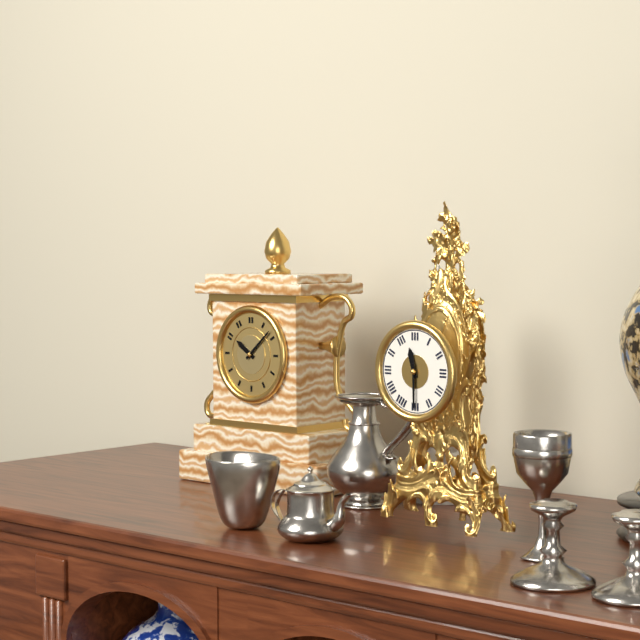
{"hour": 11, "minute": 30}
